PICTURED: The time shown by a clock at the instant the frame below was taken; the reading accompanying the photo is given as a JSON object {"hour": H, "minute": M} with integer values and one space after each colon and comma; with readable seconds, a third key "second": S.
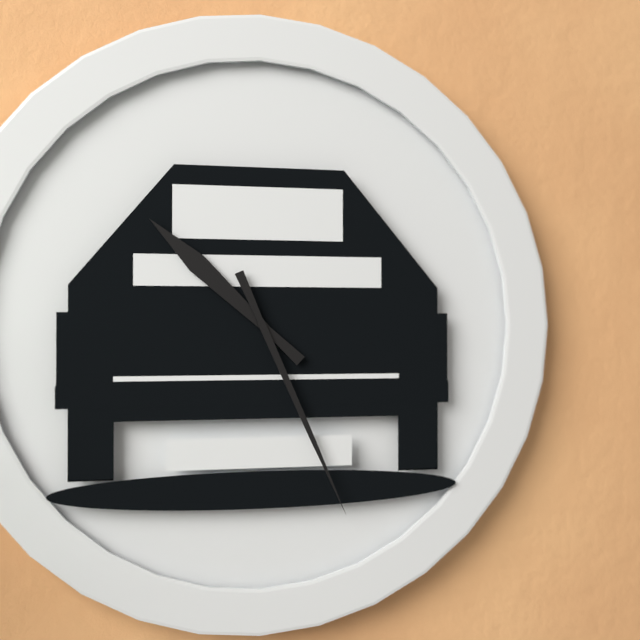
{"hour": 10, "minute": 26}
